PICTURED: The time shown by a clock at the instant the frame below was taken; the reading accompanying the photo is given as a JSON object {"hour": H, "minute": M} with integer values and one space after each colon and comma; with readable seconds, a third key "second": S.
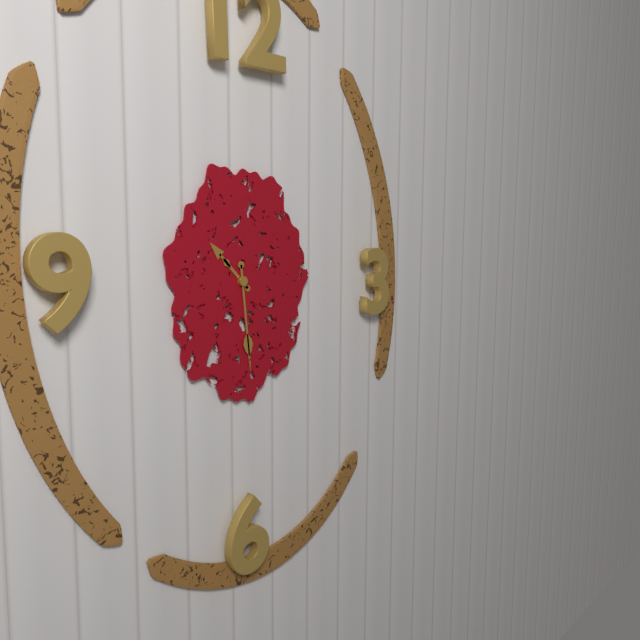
{"hour": 10, "minute": 29}
